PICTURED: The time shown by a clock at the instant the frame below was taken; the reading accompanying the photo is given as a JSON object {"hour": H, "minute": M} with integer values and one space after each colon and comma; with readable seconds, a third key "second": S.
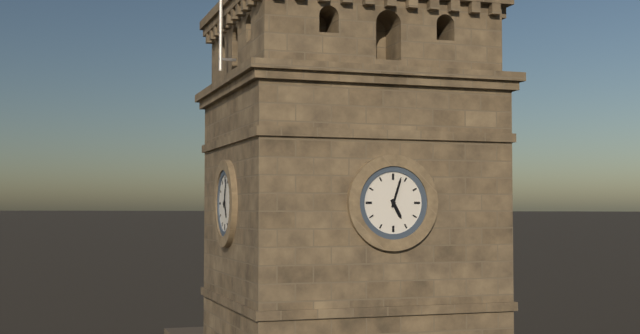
{"hour": 5, "minute": 3}
